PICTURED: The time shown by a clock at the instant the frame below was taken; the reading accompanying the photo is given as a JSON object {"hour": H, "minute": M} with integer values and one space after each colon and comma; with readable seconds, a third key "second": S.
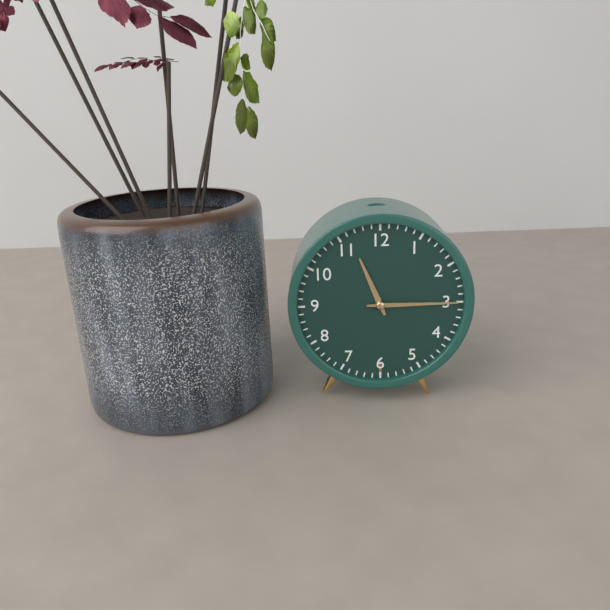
{"hour": 11, "minute": 15}
